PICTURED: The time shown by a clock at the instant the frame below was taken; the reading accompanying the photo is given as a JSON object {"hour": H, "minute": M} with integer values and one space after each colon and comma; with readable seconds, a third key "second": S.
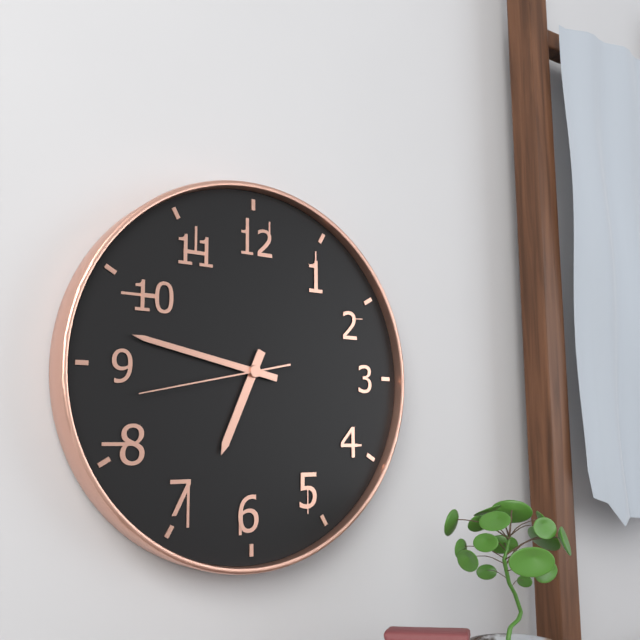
{"hour": 6, "minute": 47, "second": 43}
